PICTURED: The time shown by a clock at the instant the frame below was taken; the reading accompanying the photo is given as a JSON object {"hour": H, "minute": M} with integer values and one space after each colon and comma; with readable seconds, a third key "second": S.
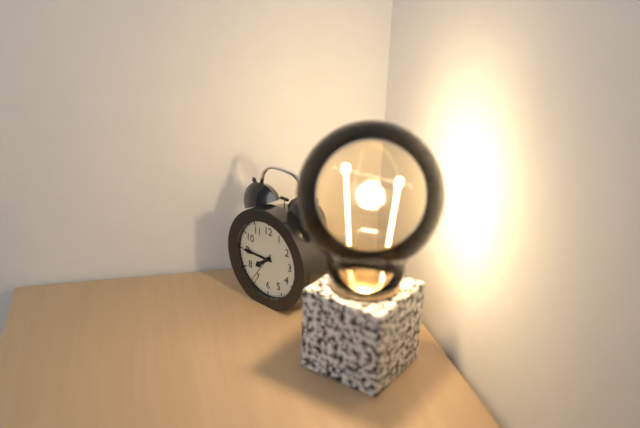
{"hour": 7, "minute": 45}
